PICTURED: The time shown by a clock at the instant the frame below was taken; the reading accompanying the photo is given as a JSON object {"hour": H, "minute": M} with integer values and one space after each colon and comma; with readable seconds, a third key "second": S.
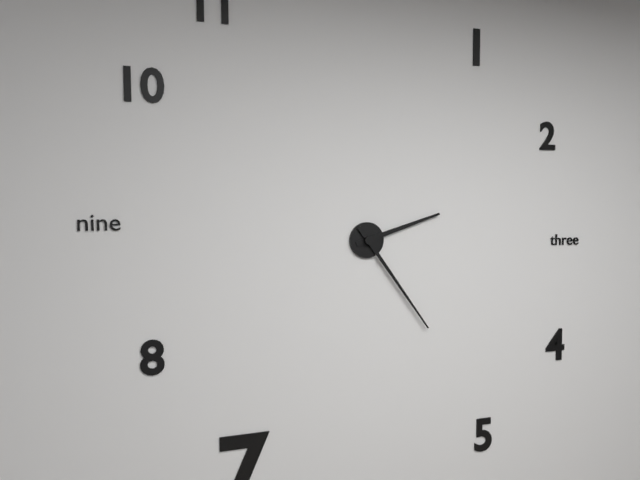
{"hour": 2, "minute": 24}
